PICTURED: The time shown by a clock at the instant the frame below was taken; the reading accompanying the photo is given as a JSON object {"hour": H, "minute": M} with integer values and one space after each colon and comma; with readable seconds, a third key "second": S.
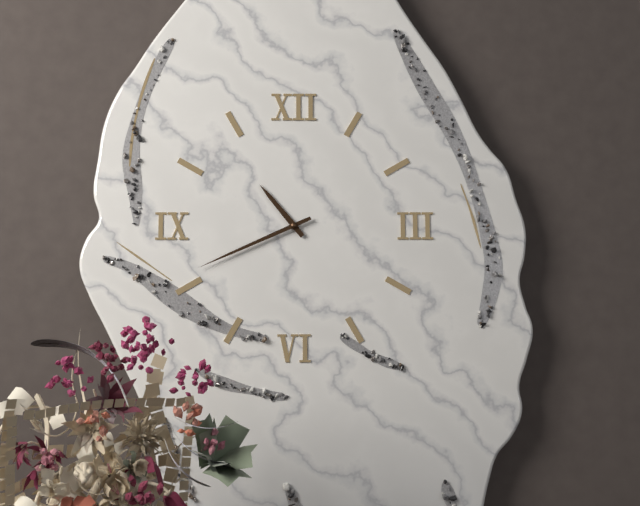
{"hour": 10, "minute": 41}
